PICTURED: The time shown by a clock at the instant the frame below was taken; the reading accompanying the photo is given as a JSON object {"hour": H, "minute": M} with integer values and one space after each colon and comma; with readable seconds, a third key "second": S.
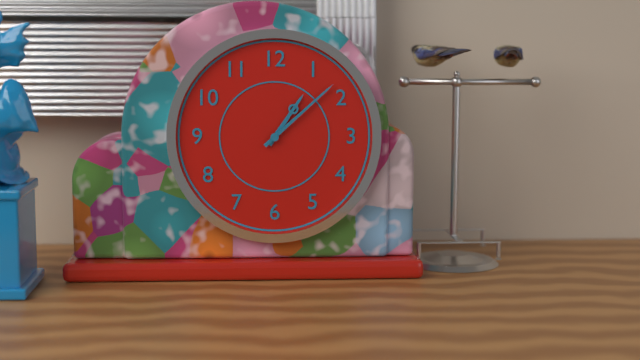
{"hour": 1, "minute": 8}
